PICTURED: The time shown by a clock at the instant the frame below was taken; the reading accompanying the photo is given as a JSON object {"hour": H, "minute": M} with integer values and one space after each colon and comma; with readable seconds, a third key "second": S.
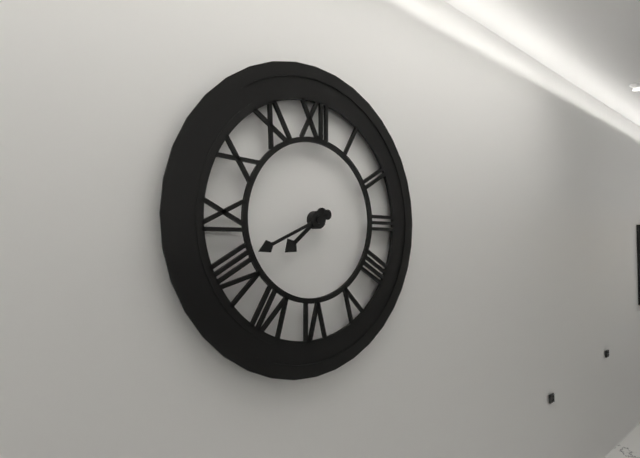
{"hour": 7, "minute": 41}
